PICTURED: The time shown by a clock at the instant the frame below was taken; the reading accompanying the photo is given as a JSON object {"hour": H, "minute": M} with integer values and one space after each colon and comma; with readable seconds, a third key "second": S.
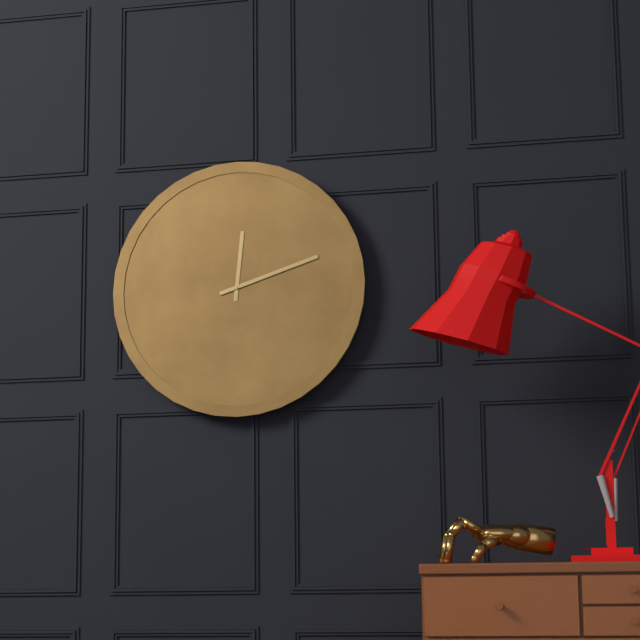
{"hour": 12, "minute": 12}
